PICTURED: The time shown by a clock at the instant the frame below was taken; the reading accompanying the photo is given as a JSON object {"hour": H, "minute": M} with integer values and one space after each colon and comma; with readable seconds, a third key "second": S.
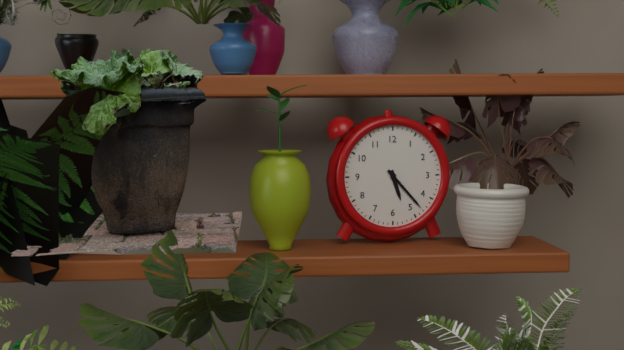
{"hour": 5, "minute": 23}
